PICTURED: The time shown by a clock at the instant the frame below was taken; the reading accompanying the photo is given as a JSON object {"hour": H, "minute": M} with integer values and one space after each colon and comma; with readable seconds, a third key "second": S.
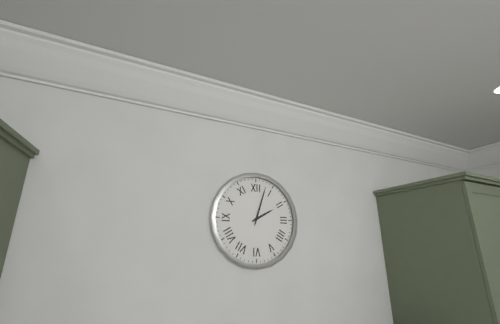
{"hour": 2, "minute": 3}
